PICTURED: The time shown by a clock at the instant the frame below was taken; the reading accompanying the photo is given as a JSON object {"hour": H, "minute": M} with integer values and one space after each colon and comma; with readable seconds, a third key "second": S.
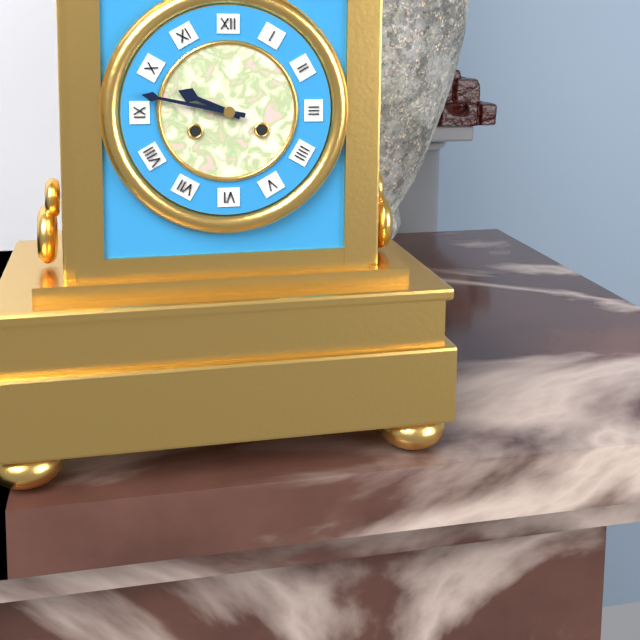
{"hour": 9, "minute": 47}
